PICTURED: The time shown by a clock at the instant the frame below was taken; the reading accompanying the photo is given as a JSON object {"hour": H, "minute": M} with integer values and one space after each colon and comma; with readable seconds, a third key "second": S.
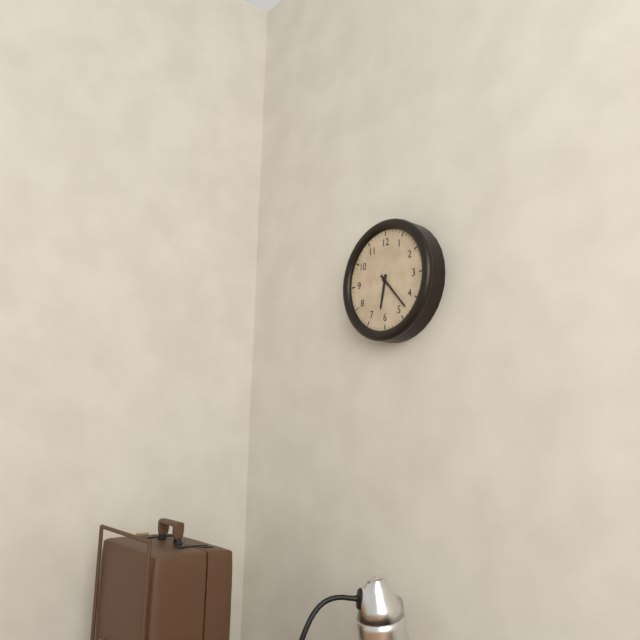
{"hour": 6, "minute": 23}
